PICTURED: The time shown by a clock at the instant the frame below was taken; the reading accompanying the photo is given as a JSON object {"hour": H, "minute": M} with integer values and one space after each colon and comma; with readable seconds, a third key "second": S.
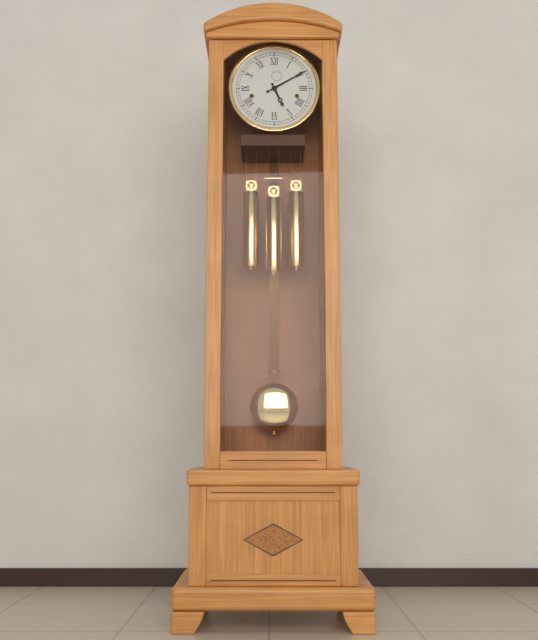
{"hour": 5, "minute": 10}
